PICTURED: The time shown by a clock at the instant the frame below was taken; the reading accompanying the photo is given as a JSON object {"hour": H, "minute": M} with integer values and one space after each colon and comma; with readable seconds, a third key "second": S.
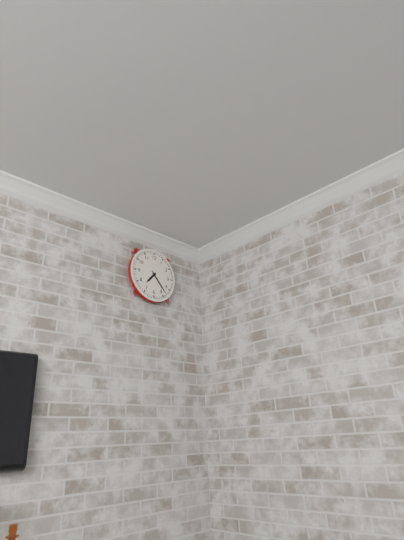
{"hour": 7, "minute": 23}
